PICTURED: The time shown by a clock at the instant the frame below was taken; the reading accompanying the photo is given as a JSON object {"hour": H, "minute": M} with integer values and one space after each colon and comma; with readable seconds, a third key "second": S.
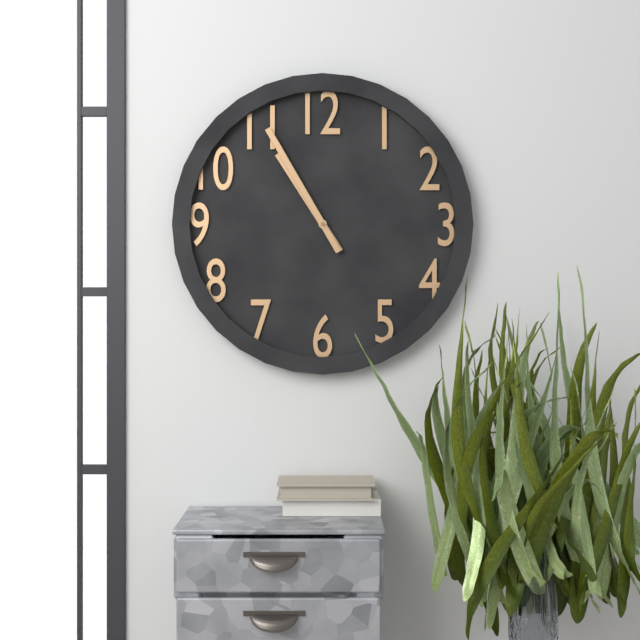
{"hour": 10, "minute": 55}
